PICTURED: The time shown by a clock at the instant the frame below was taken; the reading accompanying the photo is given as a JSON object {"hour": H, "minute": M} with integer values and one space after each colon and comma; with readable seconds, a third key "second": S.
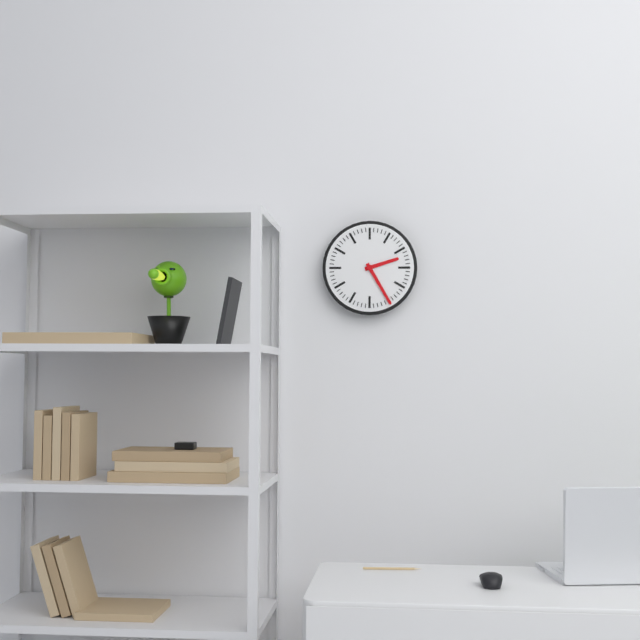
{"hour": 2, "minute": 25}
